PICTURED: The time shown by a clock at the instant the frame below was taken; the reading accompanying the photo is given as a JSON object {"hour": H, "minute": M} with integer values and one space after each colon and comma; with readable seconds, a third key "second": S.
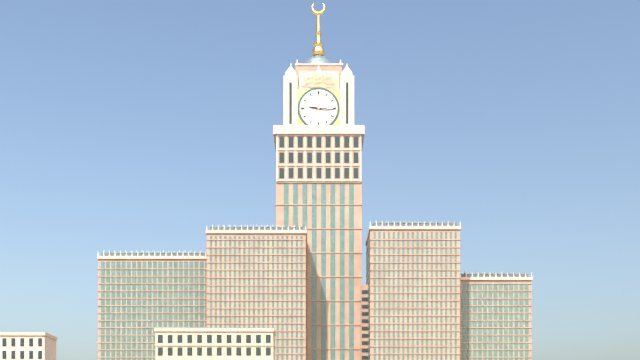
{"hour": 9, "minute": 16}
